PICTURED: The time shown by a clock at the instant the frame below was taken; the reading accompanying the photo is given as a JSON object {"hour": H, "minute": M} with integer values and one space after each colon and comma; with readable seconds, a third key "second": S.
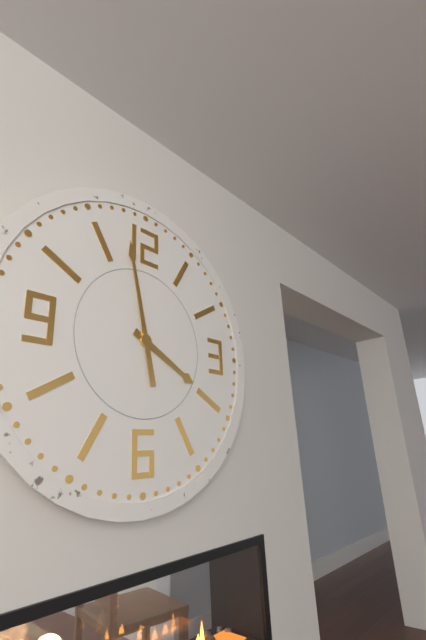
{"hour": 3, "minute": 58}
